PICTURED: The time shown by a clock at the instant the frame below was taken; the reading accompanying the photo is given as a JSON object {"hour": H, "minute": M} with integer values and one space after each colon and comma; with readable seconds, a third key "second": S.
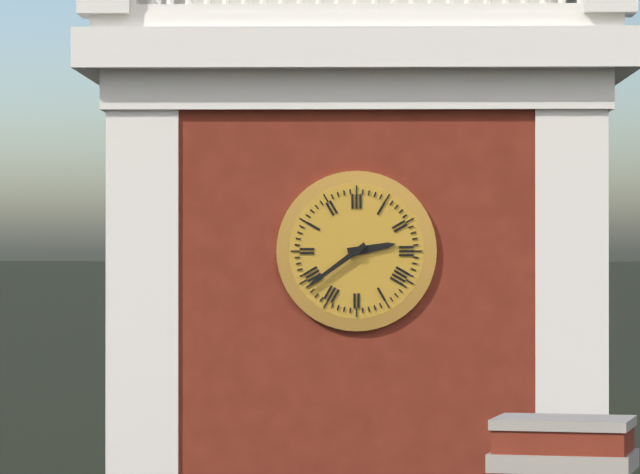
{"hour": 2, "minute": 39}
